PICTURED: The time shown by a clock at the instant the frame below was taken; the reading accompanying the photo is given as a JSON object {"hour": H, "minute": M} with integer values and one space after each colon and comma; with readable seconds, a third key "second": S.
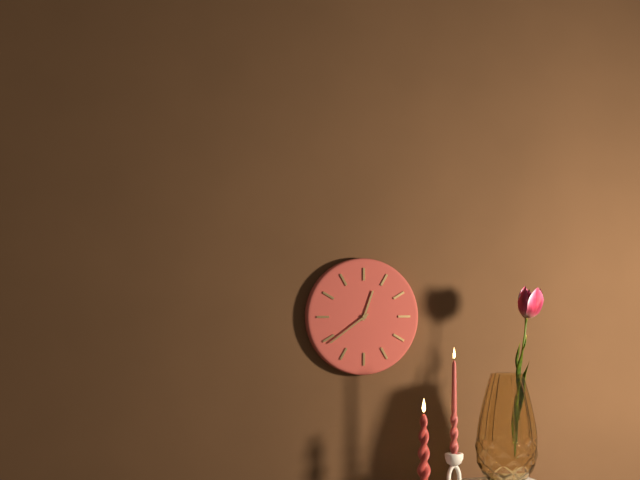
{"hour": 12, "minute": 39}
